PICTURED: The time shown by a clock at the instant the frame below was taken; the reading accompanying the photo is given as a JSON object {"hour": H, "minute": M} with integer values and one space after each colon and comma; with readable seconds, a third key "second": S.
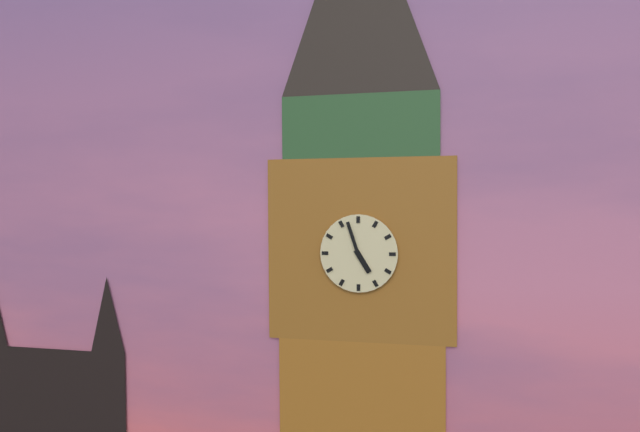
{"hour": 4, "minute": 57}
